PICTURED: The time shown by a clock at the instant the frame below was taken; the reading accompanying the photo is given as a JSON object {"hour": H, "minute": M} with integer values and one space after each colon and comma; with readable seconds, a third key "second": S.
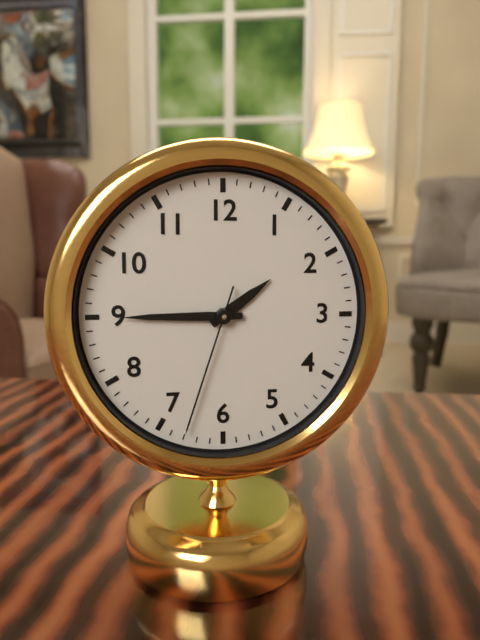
{"hour": 1, "minute": 45, "second": 33}
